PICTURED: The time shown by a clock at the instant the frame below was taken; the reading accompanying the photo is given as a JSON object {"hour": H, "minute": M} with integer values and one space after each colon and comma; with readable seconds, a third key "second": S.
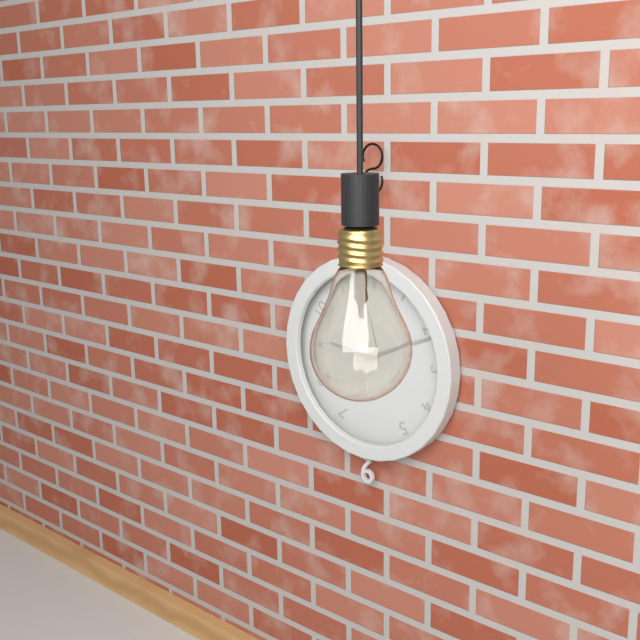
{"hour": 9, "minute": 11}
